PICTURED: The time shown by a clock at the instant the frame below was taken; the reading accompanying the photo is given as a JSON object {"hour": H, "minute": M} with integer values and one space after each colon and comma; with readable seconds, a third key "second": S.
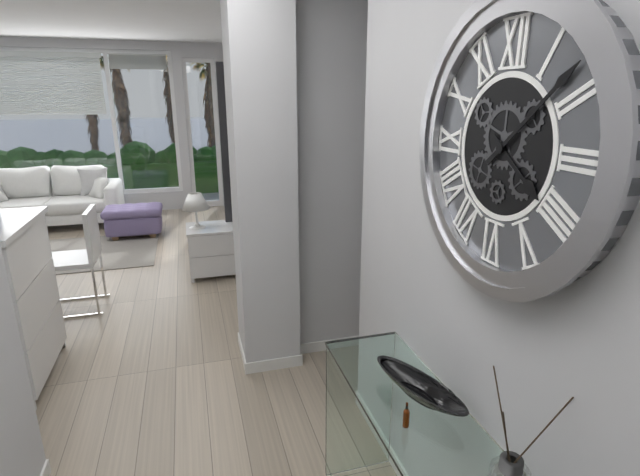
{"hour": 4, "minute": 8}
